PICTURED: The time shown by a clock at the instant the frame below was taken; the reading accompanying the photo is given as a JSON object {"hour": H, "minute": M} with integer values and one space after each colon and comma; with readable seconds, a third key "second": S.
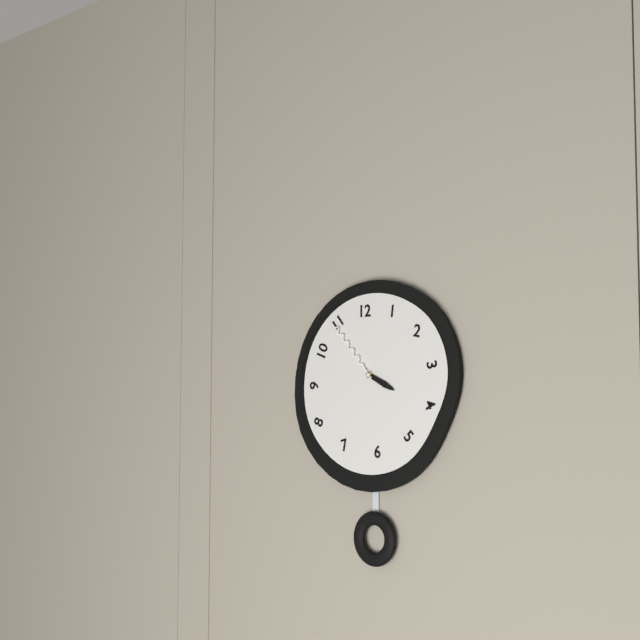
{"hour": 3, "minute": 53}
